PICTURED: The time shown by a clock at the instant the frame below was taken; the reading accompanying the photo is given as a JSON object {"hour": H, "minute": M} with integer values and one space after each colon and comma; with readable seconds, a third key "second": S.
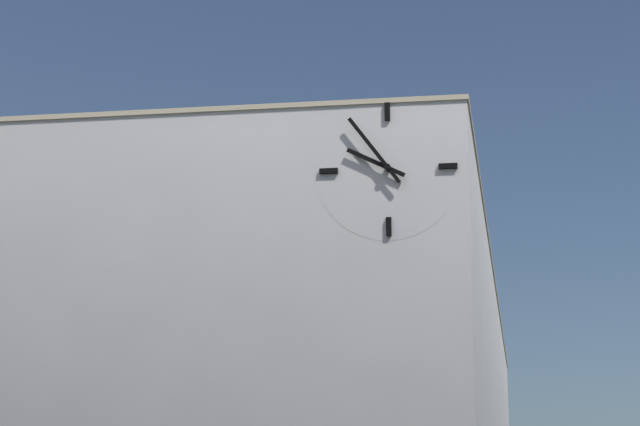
{"hour": 9, "minute": 54}
